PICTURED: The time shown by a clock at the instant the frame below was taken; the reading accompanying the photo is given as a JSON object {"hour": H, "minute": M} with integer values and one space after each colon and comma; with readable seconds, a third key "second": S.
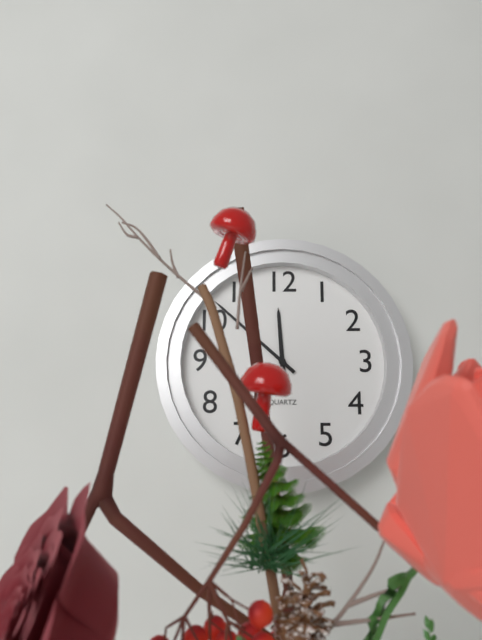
{"hour": 11, "minute": 52}
